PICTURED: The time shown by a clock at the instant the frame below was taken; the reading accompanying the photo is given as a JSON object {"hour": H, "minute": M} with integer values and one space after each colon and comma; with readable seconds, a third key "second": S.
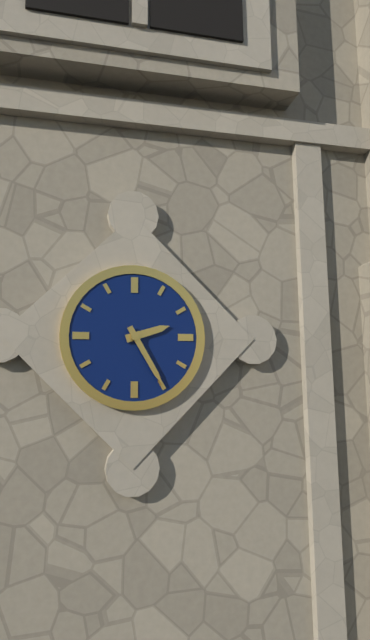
{"hour": 2, "minute": 25}
